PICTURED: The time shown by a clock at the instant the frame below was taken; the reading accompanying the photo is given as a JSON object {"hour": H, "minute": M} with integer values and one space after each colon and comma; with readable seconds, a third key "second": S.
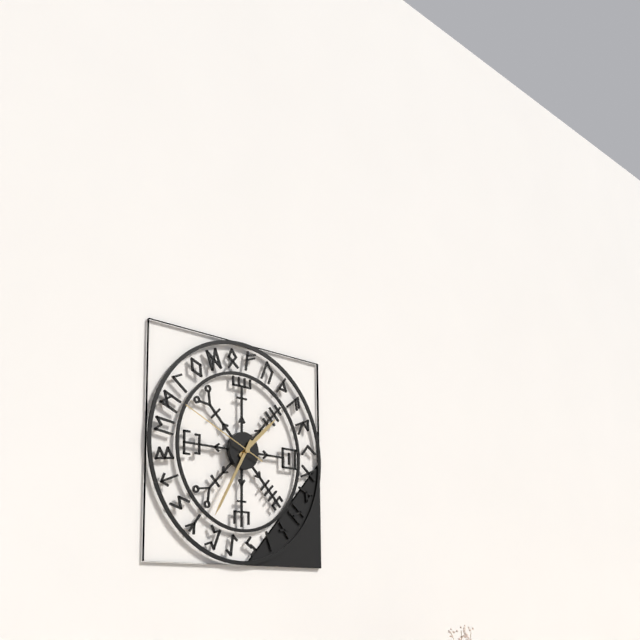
{"hour": 1, "minute": 35, "second": 49}
